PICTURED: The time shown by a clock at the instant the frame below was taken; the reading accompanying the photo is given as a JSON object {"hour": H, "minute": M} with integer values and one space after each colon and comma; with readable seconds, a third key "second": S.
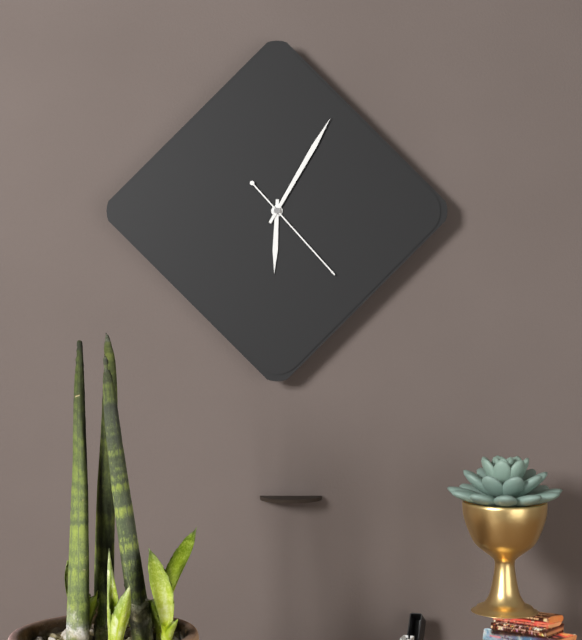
{"hour": 6, "minute": 5, "second": 23}
